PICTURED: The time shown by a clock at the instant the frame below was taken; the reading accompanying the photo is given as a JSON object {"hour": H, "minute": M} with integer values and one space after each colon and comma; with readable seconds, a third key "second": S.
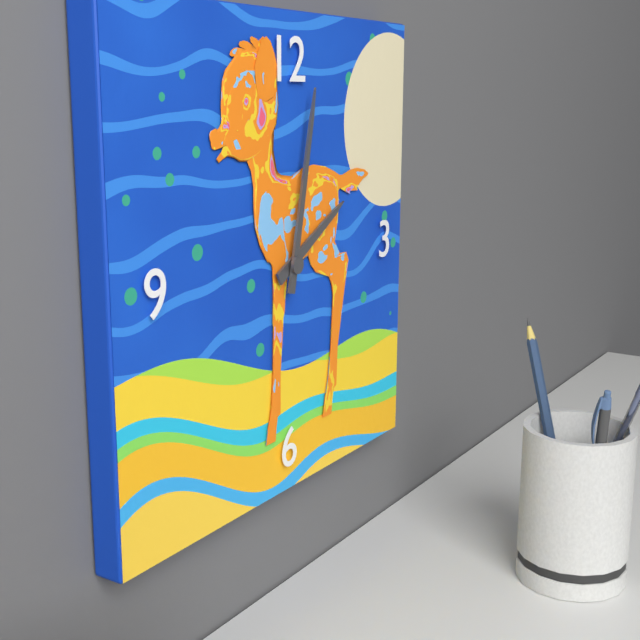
{"hour": 2, "minute": 2}
